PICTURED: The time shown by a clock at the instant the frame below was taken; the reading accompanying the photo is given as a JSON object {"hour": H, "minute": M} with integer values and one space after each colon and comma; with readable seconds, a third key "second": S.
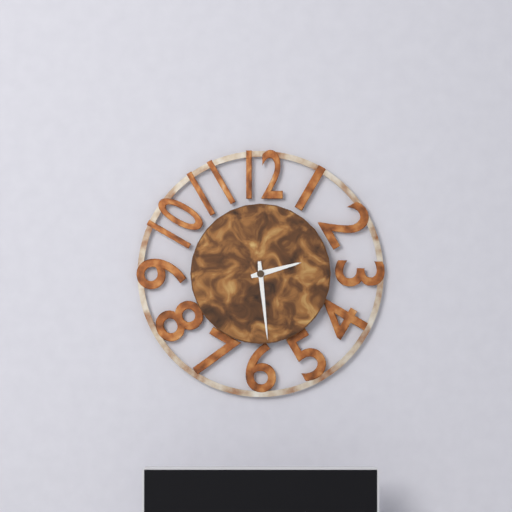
{"hour": 2, "minute": 29}
